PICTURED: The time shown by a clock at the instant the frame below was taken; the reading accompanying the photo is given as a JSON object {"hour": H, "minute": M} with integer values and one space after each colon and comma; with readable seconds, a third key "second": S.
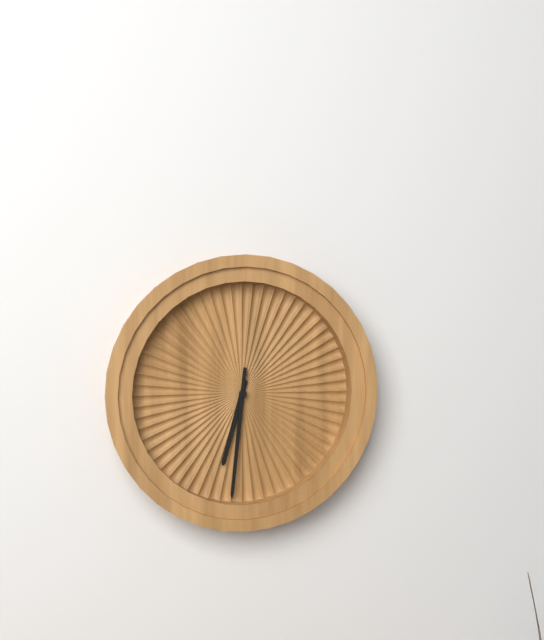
{"hour": 6, "minute": 31}
